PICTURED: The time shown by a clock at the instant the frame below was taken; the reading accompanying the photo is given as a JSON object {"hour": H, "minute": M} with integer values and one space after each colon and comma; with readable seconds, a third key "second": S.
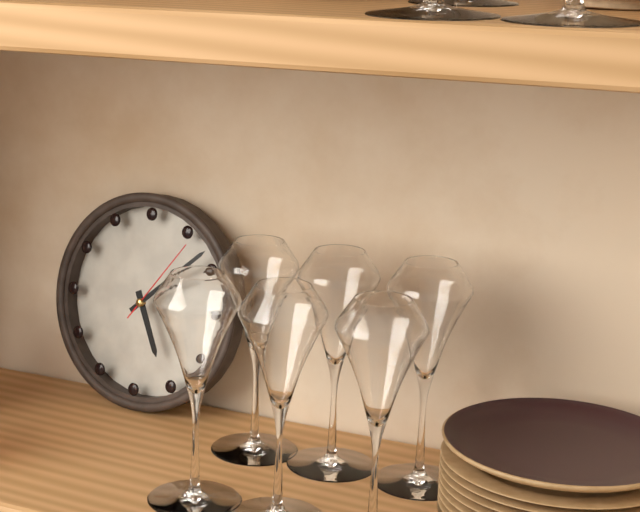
{"hour": 5, "minute": 8, "second": 6}
